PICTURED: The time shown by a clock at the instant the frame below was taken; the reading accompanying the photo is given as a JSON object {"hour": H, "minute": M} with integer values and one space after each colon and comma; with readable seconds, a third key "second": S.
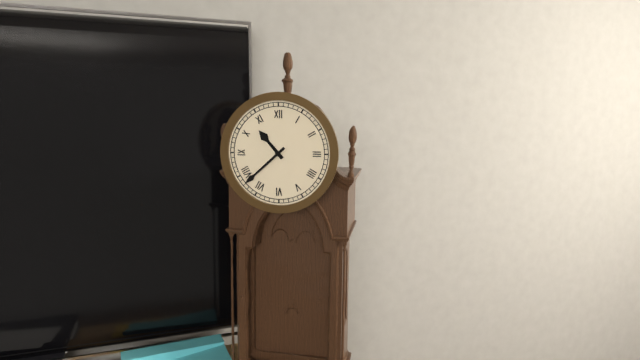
{"hour": 10, "minute": 38}
